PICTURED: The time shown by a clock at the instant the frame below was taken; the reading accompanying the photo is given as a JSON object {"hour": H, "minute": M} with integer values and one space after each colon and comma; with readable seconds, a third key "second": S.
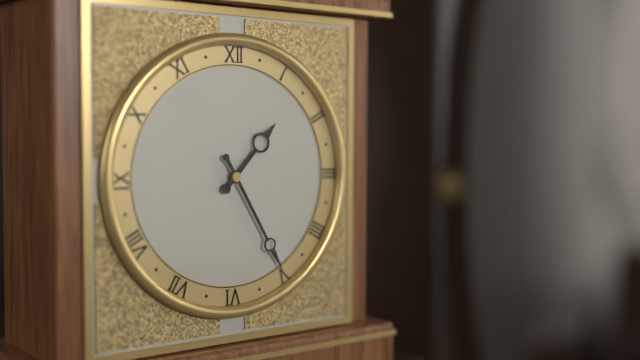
{"hour": 1, "minute": 25}
